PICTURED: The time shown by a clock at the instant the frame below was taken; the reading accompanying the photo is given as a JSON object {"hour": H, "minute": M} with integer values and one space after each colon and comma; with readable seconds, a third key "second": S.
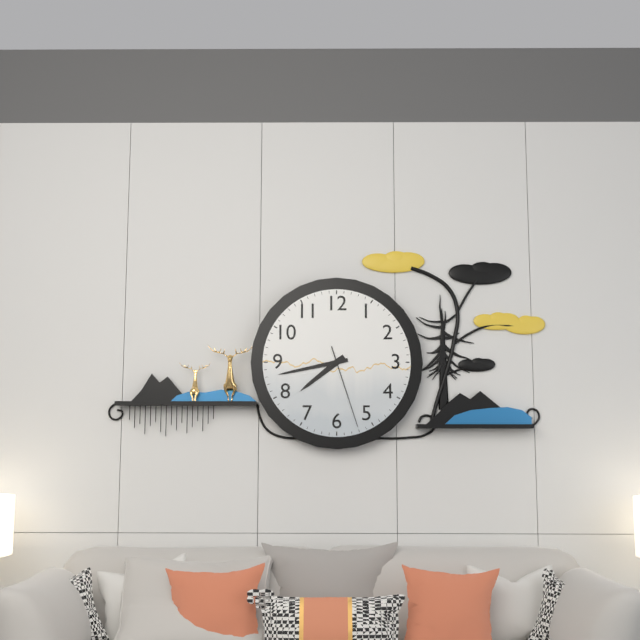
{"hour": 7, "minute": 43, "second": 27}
